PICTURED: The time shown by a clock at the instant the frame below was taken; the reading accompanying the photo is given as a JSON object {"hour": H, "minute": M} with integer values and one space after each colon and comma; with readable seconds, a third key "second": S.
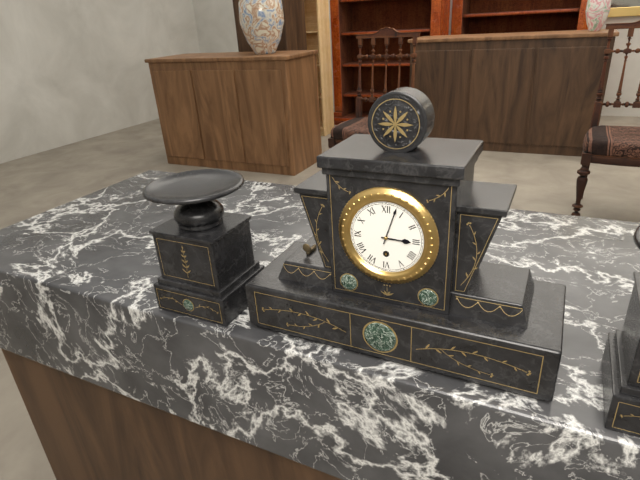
{"hour": 3, "minute": 3}
